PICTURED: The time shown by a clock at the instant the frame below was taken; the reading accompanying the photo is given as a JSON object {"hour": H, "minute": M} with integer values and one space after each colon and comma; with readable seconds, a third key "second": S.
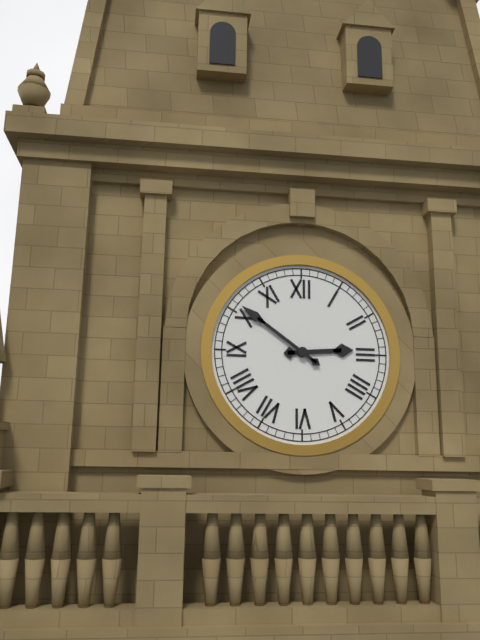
{"hour": 2, "minute": 51}
